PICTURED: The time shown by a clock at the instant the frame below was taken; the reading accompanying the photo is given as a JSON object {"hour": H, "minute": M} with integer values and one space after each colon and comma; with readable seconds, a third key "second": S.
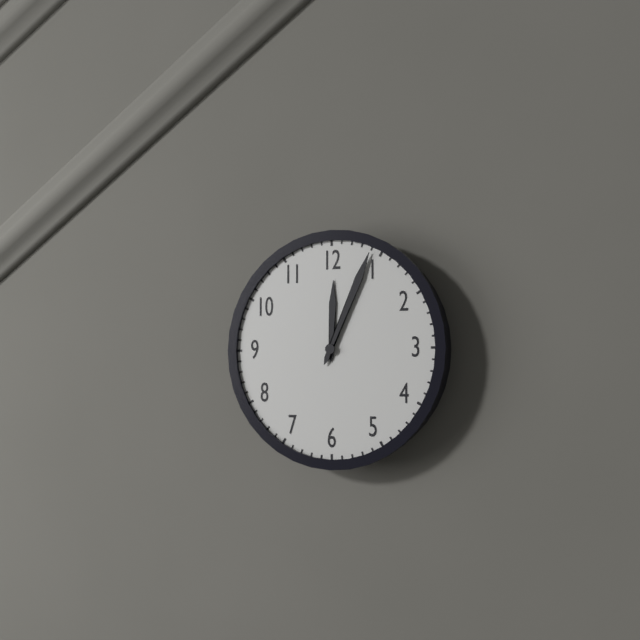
{"hour": 12, "minute": 4}
